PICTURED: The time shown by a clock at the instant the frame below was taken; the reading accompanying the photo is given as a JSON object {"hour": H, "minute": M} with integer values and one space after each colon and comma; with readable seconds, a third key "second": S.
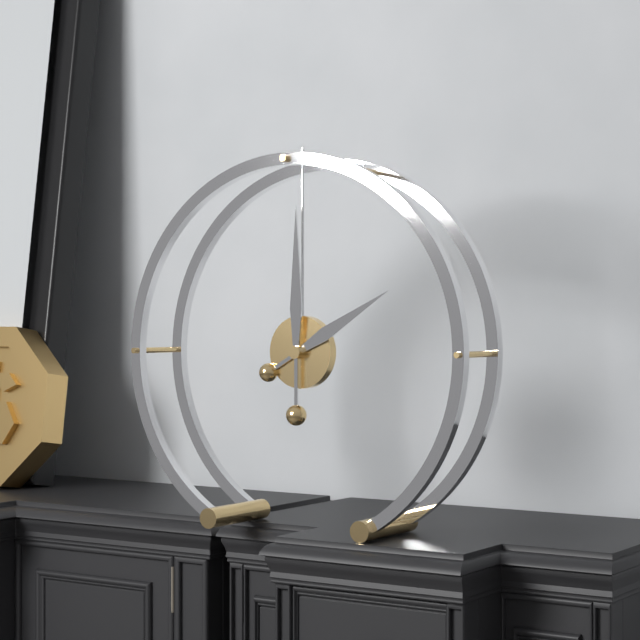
{"hour": 2, "minute": 0}
